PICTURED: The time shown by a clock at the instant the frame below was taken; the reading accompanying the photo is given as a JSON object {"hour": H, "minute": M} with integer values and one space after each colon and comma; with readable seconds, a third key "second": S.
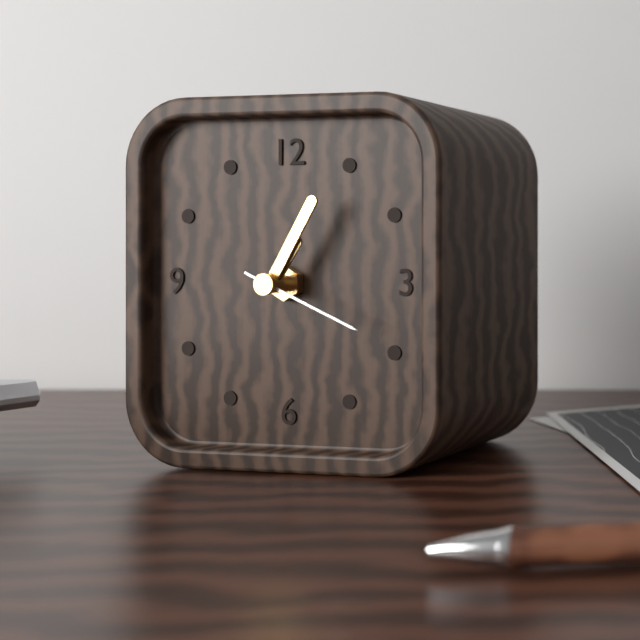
{"hour": 1, "minute": 5, "second": 19}
